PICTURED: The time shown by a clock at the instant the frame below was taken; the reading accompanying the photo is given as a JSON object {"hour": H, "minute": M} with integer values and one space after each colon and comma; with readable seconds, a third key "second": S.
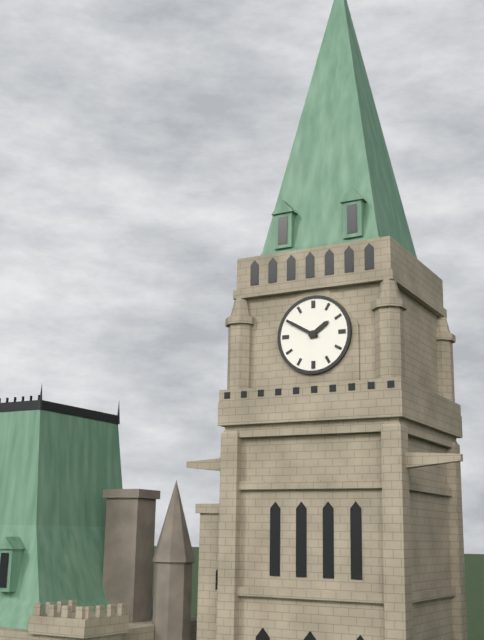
{"hour": 1, "minute": 50}
